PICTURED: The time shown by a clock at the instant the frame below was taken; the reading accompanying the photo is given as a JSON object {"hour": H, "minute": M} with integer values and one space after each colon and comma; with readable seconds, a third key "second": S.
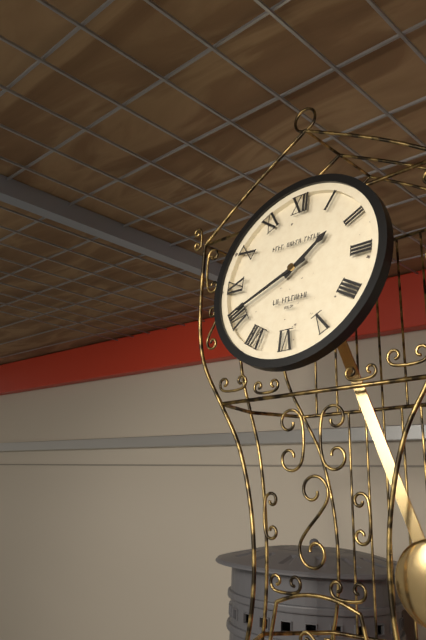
{"hour": 1, "minute": 41}
